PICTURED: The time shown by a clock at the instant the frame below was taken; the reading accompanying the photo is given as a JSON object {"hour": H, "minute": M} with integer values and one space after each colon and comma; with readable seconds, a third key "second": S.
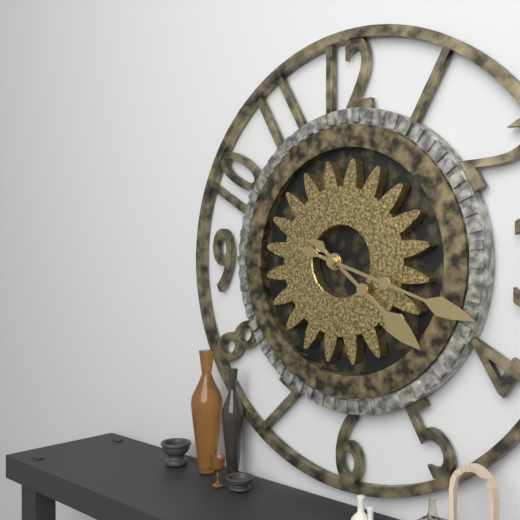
{"hour": 4, "minute": 18}
